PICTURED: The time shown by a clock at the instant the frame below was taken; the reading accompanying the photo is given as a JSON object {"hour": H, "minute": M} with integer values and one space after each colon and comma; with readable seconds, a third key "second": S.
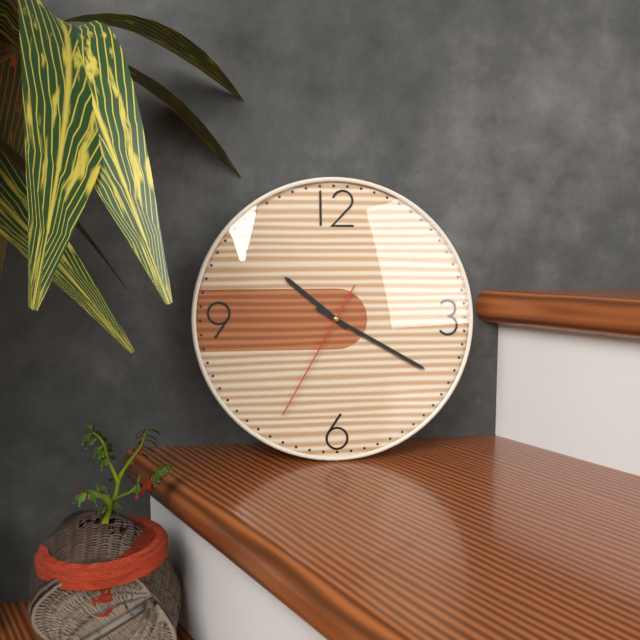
{"hour": 10, "minute": 20, "second": 35}
